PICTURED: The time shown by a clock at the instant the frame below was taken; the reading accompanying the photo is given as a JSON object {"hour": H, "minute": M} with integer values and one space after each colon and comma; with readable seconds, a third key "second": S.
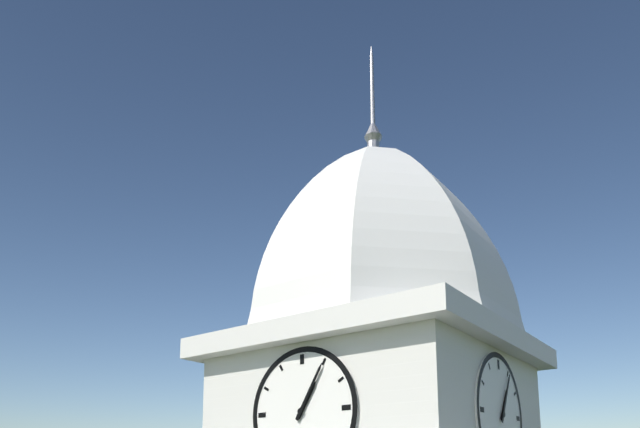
{"hour": 1, "minute": 5}
